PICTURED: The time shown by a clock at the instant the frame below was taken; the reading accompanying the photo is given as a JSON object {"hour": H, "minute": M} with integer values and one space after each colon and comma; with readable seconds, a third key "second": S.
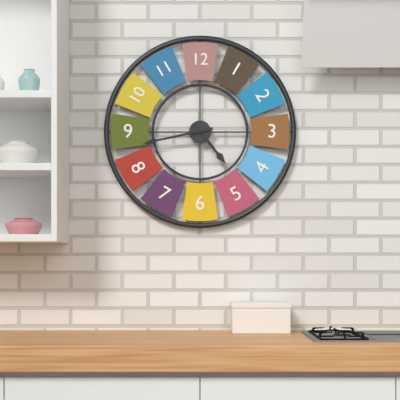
{"hour": 4, "minute": 43}
